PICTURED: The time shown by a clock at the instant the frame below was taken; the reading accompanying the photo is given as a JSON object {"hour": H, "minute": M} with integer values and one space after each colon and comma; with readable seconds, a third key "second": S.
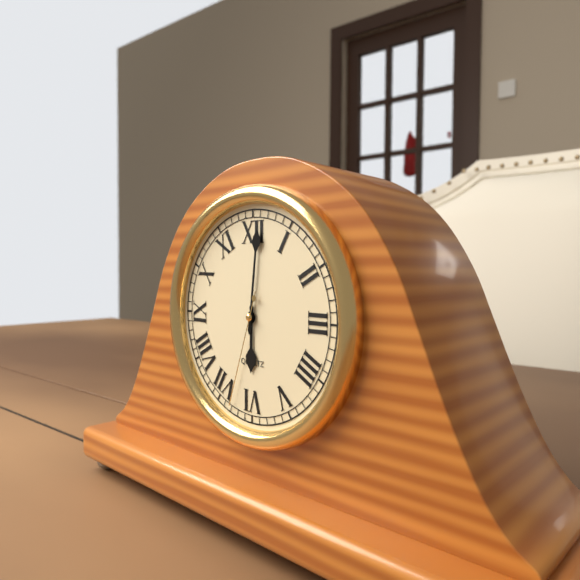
{"hour": 6, "minute": 1, "second": 33}
